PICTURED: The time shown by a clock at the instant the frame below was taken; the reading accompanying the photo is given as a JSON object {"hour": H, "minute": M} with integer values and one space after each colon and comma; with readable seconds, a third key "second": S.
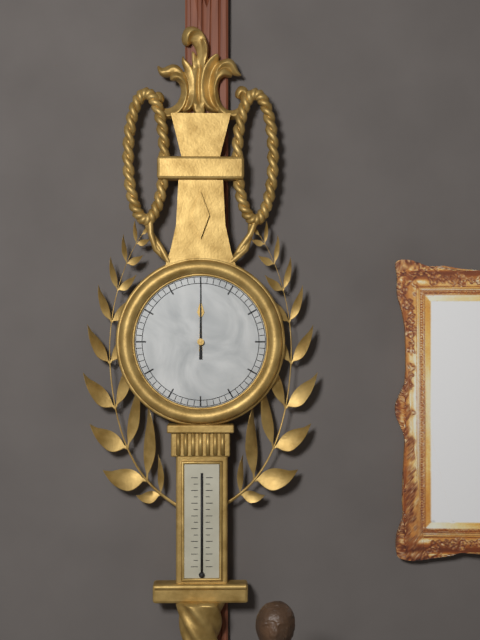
{"hour": 12, "minute": 0}
